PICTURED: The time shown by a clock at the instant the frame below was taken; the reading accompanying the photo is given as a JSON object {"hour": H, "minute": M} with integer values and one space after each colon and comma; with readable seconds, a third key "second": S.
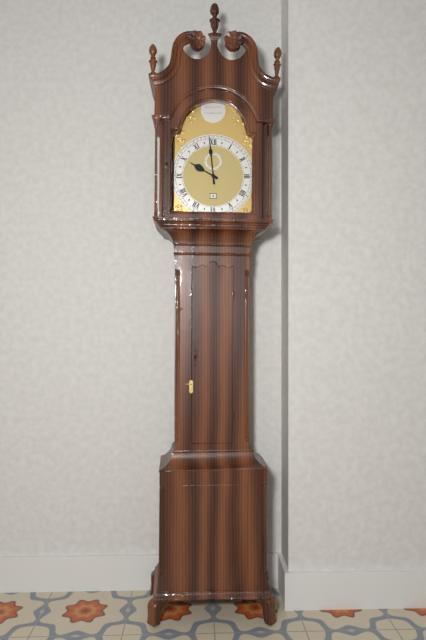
{"hour": 9, "minute": 59}
